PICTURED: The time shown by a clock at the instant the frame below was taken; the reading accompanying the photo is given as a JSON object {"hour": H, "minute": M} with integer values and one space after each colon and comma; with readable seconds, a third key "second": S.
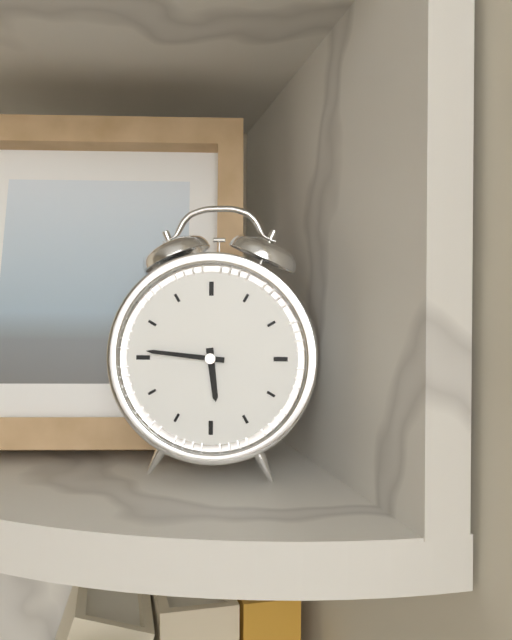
{"hour": 5, "minute": 46}
